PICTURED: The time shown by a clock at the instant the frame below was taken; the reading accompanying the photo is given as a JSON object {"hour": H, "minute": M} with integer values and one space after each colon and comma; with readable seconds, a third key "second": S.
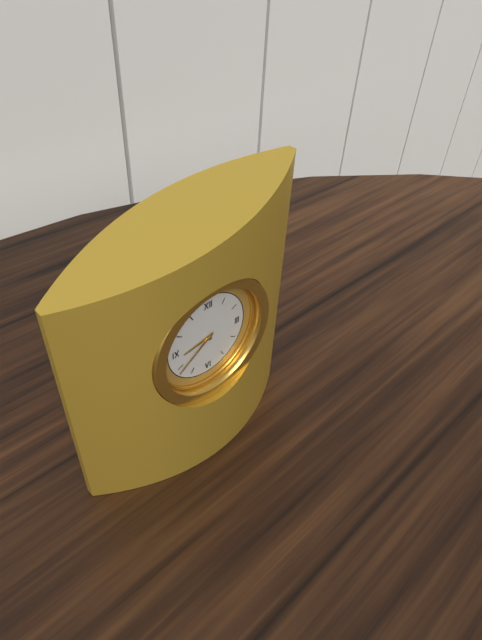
{"hour": 8, "minute": 39}
